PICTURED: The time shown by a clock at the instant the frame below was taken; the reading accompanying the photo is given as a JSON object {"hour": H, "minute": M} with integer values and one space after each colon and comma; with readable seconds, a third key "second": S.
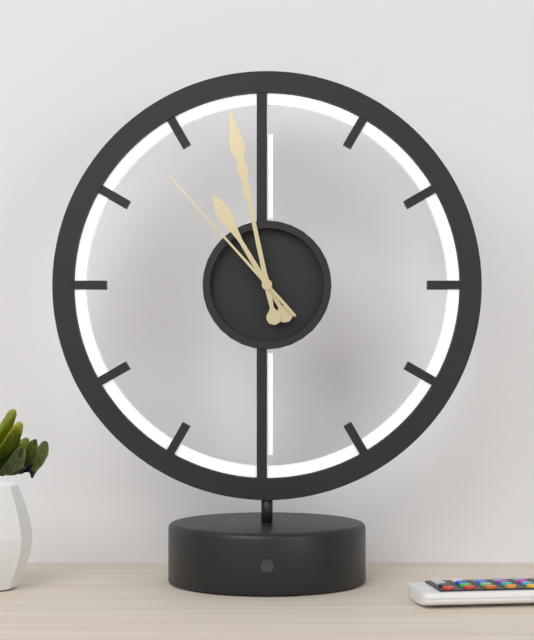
{"hour": 10, "minute": 58, "second": 53}
